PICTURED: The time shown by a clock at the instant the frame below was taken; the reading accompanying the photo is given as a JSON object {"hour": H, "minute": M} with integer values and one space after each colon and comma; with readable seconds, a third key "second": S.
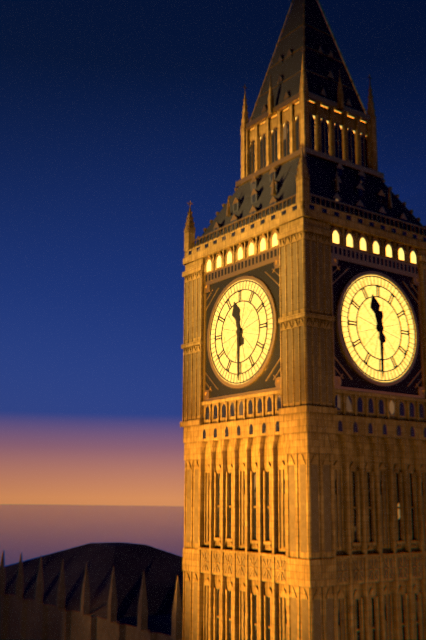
{"hour": 11, "minute": 30}
